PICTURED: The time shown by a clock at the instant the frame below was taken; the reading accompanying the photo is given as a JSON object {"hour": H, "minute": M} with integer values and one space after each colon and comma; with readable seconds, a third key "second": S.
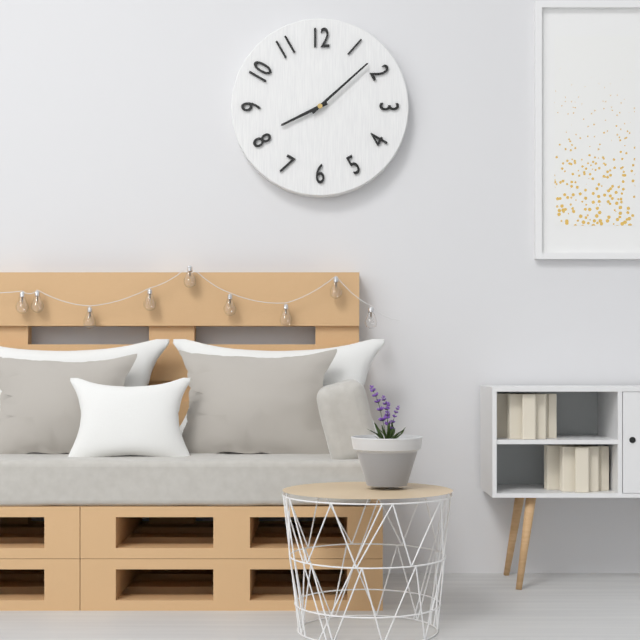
{"hour": 8, "minute": 8}
